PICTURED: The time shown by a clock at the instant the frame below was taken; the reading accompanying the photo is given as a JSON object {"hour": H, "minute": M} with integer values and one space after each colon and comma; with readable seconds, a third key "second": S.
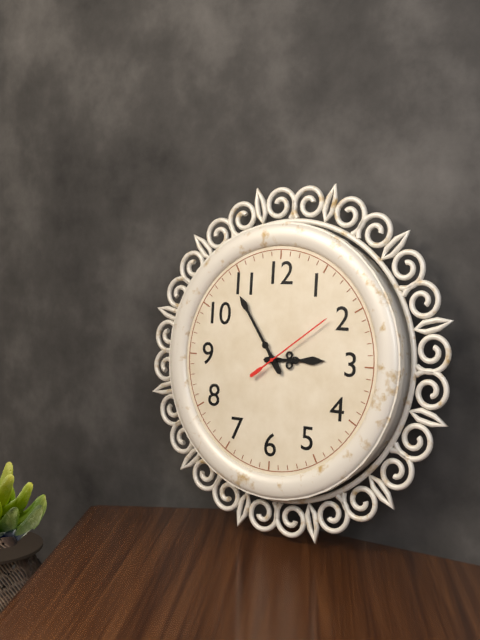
{"hour": 2, "minute": 54, "second": 9}
